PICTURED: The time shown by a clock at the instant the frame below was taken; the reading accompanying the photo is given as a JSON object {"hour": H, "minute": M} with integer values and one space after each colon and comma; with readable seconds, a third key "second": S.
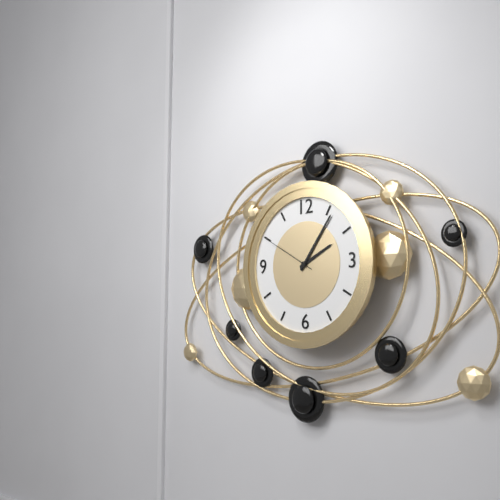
{"hour": 2, "minute": 6}
